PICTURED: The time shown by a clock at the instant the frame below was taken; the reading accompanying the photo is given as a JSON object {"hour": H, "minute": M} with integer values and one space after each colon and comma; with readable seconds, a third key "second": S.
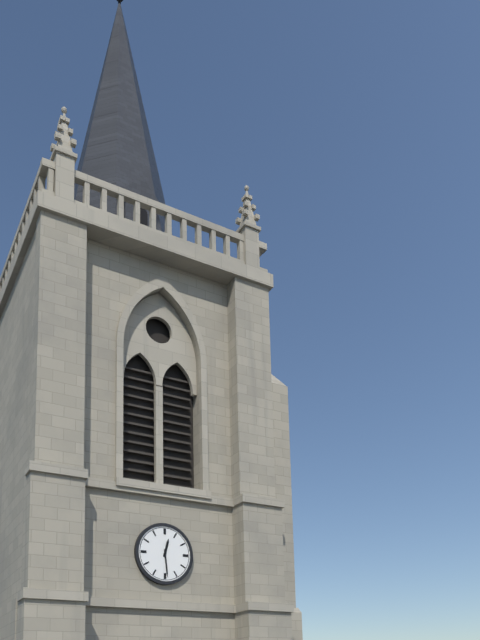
{"hour": 12, "minute": 29}
